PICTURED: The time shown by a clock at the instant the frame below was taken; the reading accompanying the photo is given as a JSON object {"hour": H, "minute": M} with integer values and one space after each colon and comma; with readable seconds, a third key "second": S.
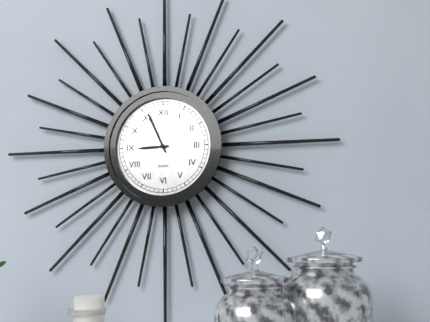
{"hour": 8, "minute": 56}
